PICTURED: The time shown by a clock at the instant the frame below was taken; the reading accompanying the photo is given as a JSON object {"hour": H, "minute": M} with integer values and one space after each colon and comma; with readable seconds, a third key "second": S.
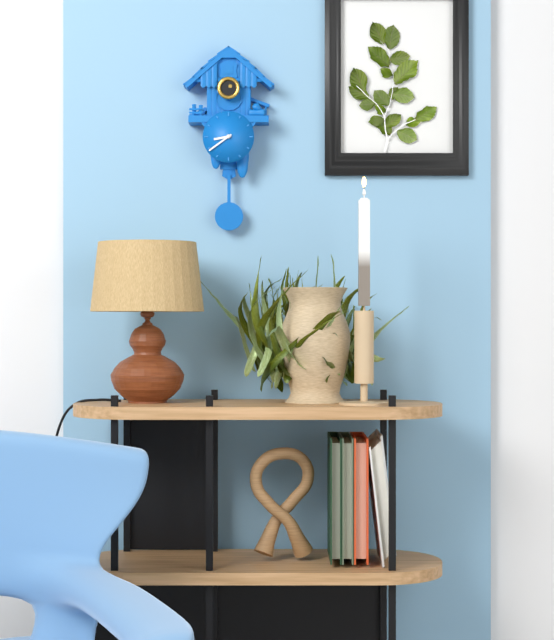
{"hour": 8, "minute": 39}
